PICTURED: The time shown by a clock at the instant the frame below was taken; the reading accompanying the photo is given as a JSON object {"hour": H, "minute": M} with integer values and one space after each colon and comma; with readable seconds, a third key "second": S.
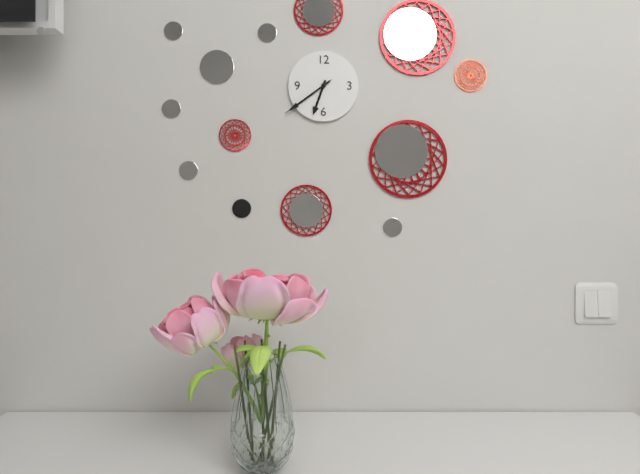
{"hour": 6, "minute": 39, "second": 39}
